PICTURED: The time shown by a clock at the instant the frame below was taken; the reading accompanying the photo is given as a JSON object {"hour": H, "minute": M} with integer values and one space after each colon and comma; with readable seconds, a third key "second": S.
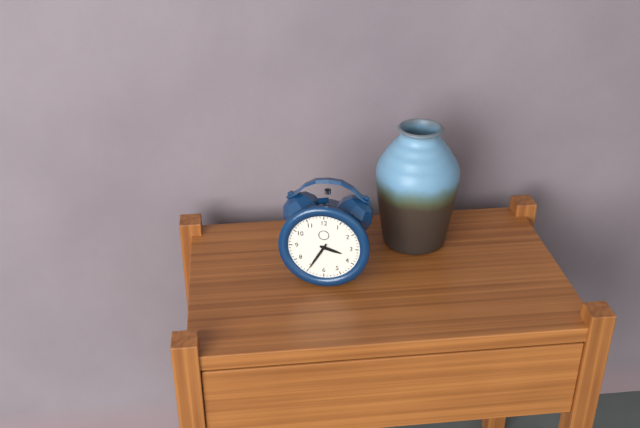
{"hour": 3, "minute": 35}
